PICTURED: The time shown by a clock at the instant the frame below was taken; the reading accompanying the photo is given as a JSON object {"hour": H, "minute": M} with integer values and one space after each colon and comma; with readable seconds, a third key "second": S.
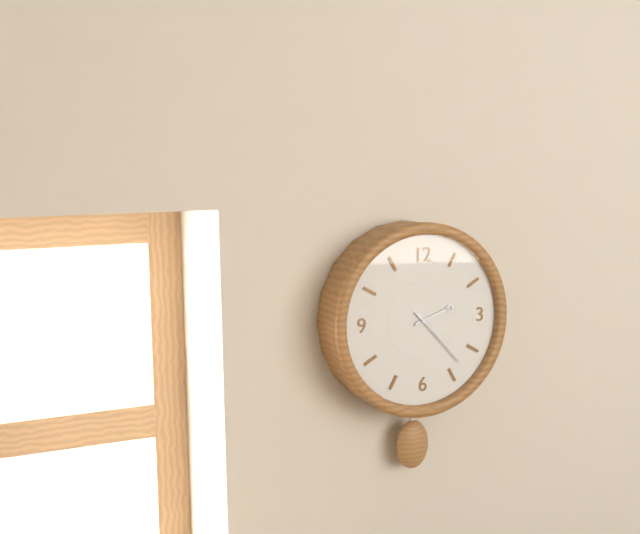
{"hour": 2, "minute": 23}
